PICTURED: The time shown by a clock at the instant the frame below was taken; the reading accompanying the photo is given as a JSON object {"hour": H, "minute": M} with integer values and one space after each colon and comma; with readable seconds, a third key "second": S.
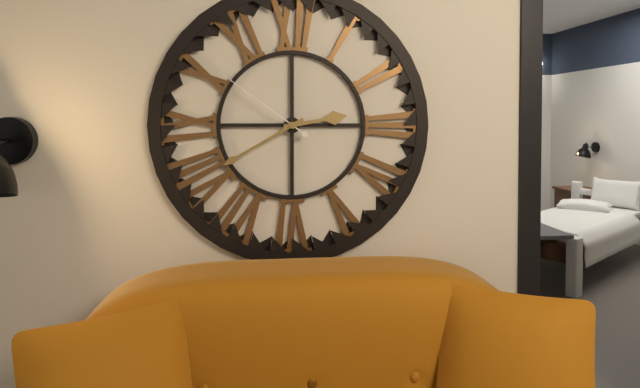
{"hour": 2, "minute": 40, "second": 51}
